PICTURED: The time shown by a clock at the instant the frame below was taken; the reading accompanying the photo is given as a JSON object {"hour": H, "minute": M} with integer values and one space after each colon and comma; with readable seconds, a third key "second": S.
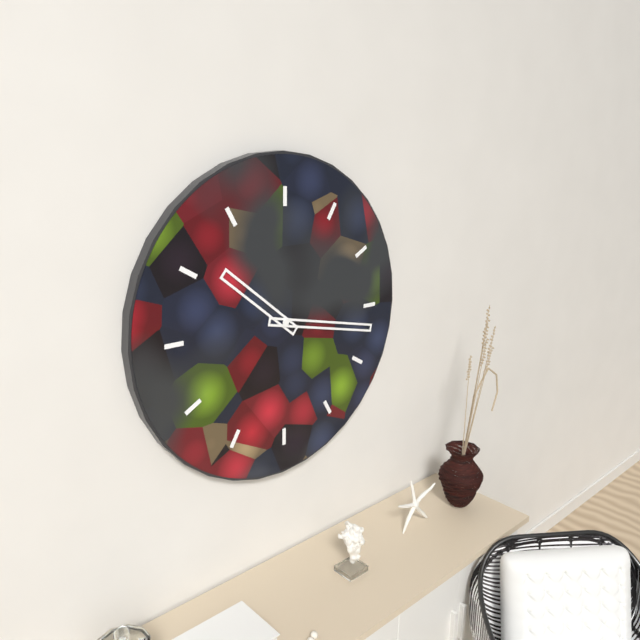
{"hour": 10, "minute": 17}
